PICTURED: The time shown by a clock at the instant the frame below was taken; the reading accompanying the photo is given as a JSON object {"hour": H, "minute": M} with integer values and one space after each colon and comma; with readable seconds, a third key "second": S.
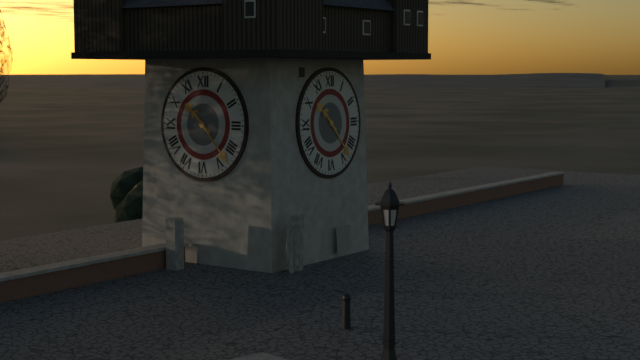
{"hour": 10, "minute": 23}
